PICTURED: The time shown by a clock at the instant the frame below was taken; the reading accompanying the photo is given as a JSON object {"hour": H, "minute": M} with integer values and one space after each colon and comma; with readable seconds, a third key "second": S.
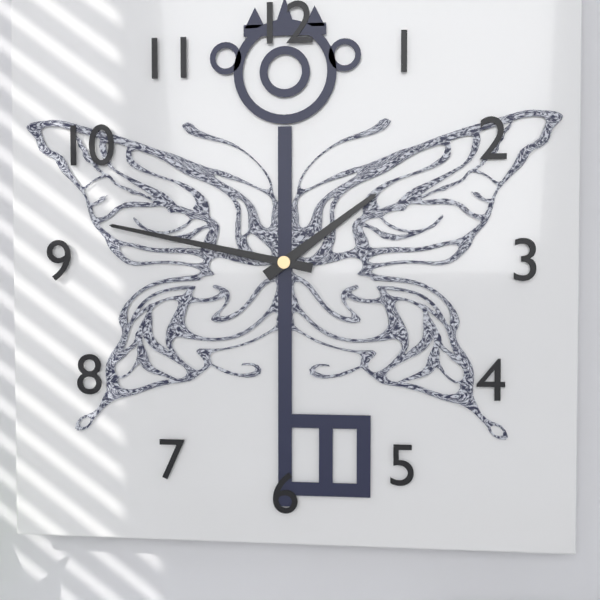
{"hour": 1, "minute": 47}
